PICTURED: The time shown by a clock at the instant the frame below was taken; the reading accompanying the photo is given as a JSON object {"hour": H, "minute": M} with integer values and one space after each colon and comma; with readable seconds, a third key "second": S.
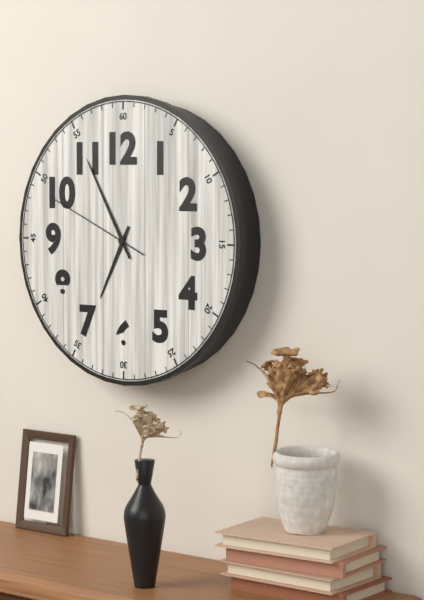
{"hour": 6, "minute": 55, "second": 49}
